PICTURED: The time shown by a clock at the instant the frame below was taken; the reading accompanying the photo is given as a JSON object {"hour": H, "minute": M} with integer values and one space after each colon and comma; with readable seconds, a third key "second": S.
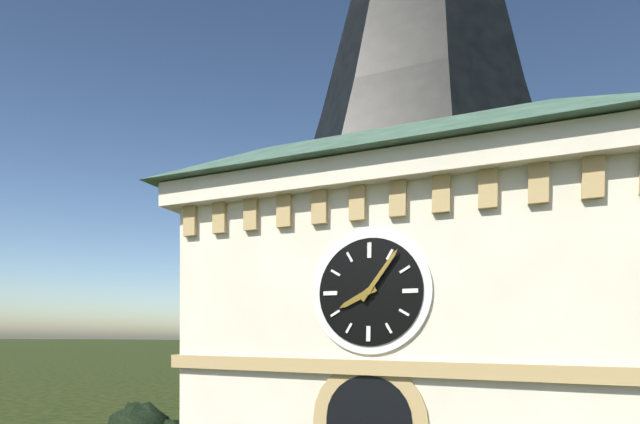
{"hour": 8, "minute": 6}
